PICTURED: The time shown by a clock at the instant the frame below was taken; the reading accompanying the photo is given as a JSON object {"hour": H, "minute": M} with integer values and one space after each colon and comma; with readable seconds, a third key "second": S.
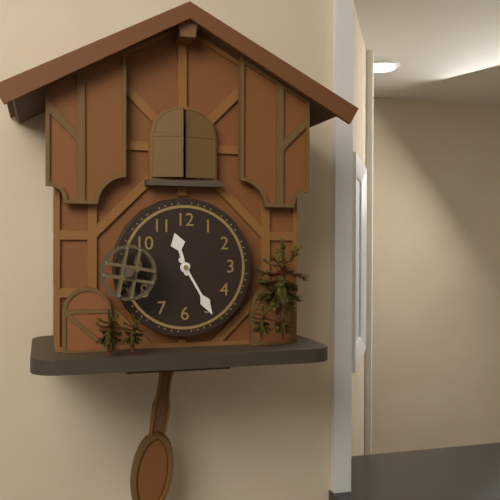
{"hour": 11, "minute": 25}
